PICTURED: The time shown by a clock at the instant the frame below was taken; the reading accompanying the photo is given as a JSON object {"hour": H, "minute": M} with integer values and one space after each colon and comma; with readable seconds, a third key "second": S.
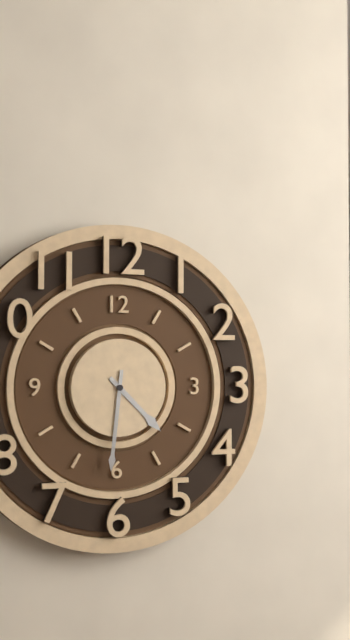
{"hour": 4, "minute": 31}
